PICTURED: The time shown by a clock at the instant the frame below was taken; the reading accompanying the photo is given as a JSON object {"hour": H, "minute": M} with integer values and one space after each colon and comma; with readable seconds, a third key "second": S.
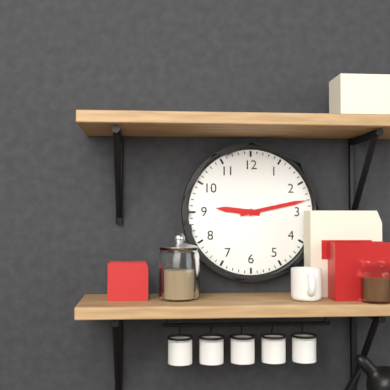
{"hour": 9, "minute": 13}
